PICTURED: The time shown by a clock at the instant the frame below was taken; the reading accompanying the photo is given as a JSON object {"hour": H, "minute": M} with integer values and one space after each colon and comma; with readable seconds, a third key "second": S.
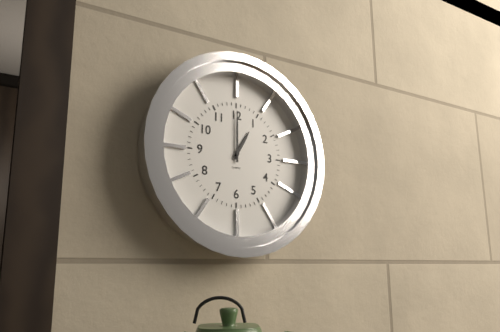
{"hour": 1, "minute": 0}
